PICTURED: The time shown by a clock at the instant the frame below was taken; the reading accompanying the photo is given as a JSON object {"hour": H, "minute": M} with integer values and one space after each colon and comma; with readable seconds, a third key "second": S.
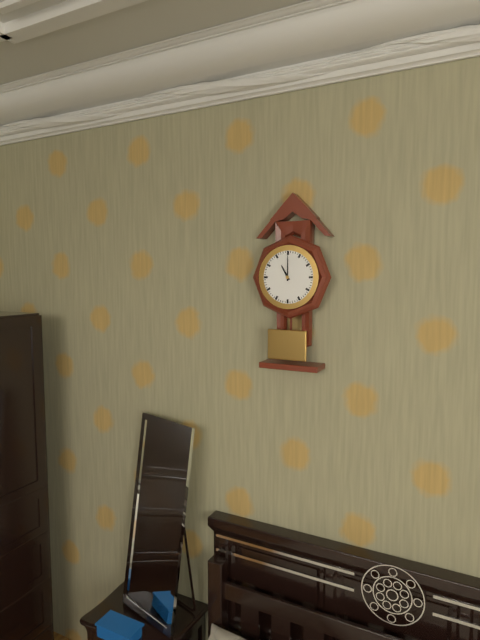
{"hour": 11, "minute": 0}
